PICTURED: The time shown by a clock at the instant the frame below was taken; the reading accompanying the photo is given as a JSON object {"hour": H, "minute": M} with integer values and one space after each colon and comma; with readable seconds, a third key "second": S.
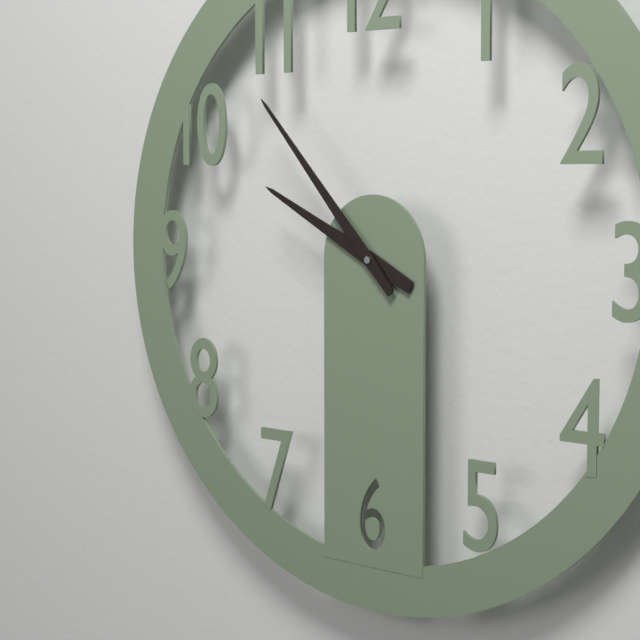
{"hour": 9, "minute": 53}
